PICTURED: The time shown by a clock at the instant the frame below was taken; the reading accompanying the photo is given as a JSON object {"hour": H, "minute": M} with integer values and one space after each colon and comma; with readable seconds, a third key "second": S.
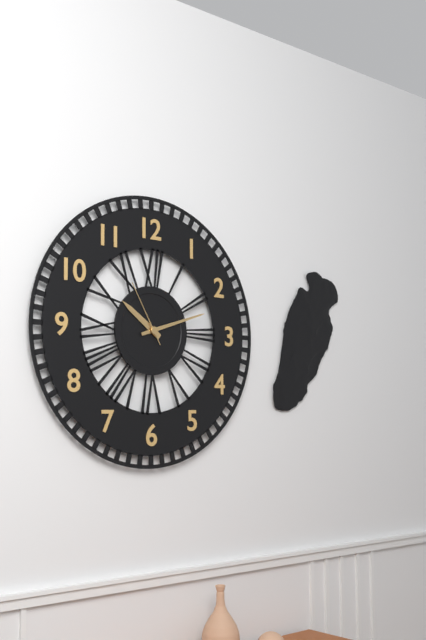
{"hour": 10, "minute": 12, "second": 55}
